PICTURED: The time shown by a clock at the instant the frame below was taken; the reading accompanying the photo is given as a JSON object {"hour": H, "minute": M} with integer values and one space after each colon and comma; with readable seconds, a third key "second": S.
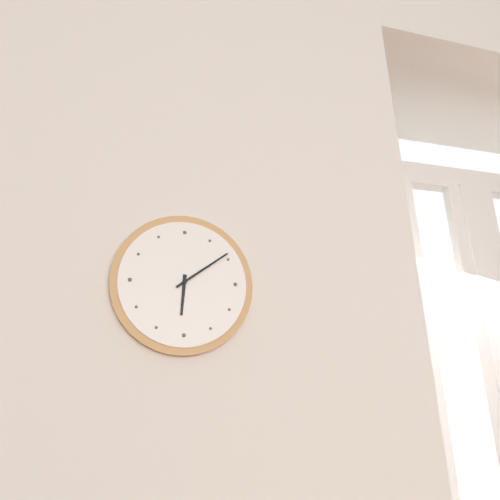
{"hour": 6, "minute": 9}
